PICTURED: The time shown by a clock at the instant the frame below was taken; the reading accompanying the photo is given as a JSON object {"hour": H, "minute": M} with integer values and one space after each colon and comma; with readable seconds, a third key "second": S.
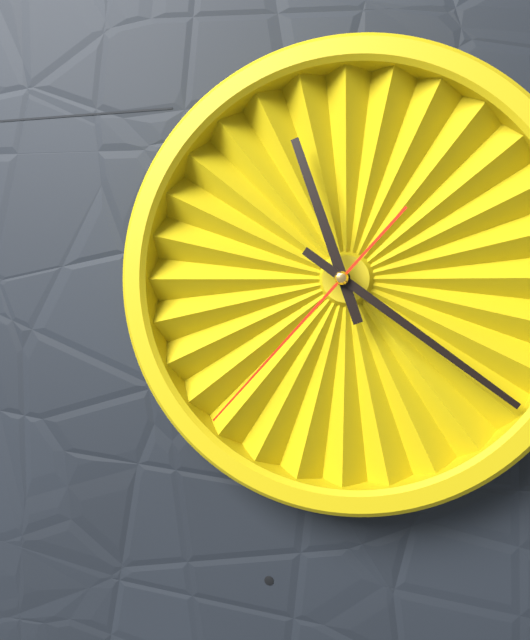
{"hour": 11, "minute": 21, "second": 37}
